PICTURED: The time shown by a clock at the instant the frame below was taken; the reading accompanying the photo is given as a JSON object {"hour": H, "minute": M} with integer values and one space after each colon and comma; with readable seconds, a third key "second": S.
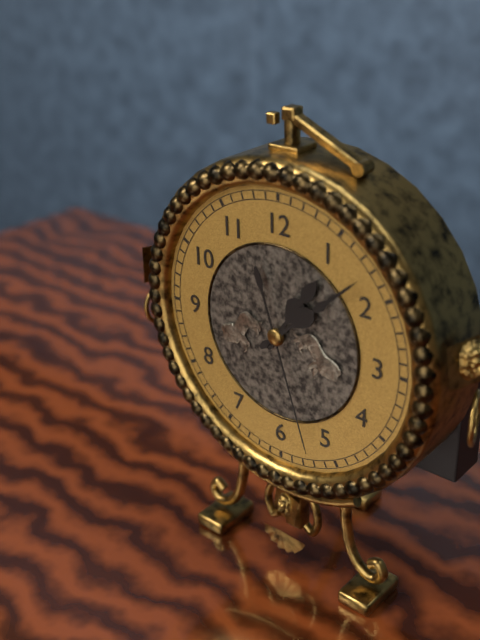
{"hour": 1, "minute": 8, "second": 27}
